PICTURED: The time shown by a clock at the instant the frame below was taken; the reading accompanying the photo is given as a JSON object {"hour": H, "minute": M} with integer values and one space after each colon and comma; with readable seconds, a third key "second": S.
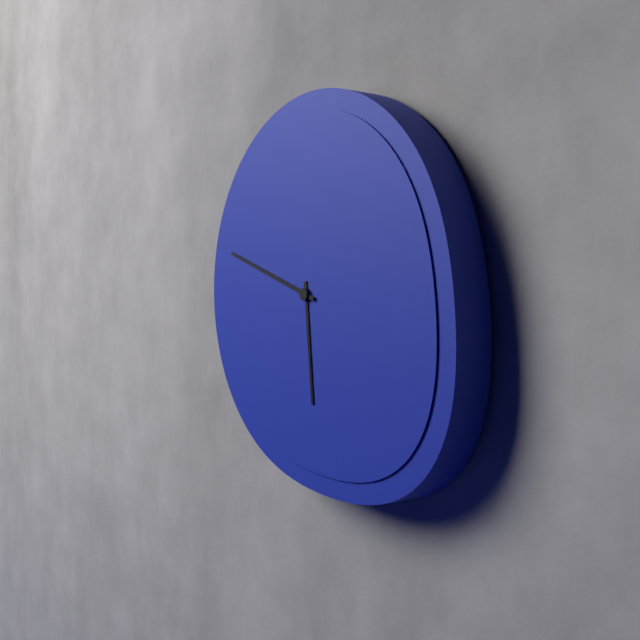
{"hour": 5, "minute": 48}
